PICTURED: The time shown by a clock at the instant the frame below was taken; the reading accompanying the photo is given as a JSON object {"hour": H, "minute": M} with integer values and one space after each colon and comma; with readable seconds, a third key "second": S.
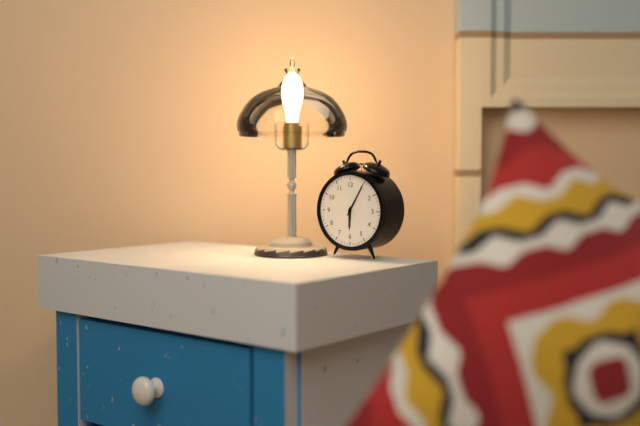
{"hour": 6, "minute": 5}
